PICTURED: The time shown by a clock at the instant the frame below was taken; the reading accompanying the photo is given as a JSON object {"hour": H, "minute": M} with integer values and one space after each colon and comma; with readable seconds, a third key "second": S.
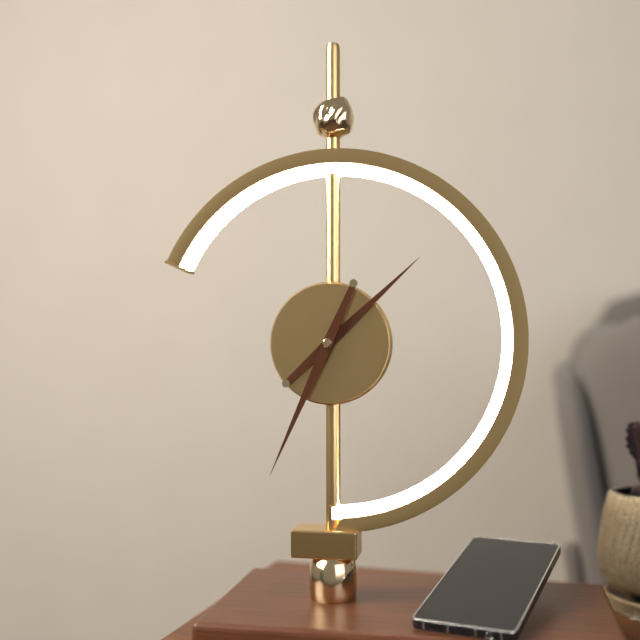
{"hour": 1, "minute": 34}
